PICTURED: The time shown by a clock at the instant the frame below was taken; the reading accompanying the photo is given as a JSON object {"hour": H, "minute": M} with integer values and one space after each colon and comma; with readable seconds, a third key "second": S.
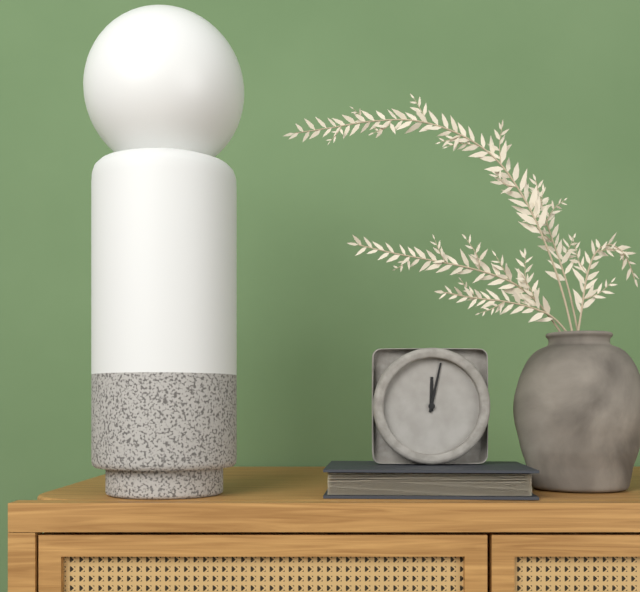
{"hour": 12, "minute": 2}
